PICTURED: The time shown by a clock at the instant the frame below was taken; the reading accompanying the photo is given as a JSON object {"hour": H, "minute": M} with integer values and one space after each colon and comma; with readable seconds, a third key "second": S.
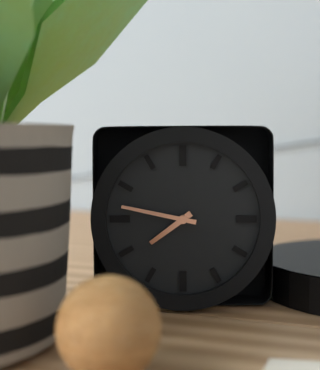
{"hour": 7, "minute": 47}
